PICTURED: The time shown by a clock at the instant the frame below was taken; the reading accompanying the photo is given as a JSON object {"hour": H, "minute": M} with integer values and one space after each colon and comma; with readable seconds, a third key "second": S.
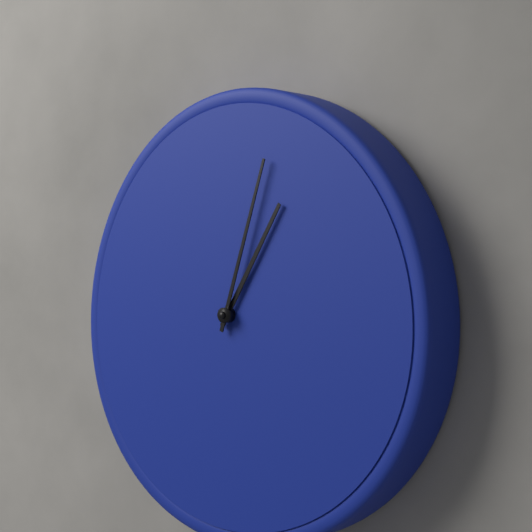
{"hour": 1, "minute": 3}
